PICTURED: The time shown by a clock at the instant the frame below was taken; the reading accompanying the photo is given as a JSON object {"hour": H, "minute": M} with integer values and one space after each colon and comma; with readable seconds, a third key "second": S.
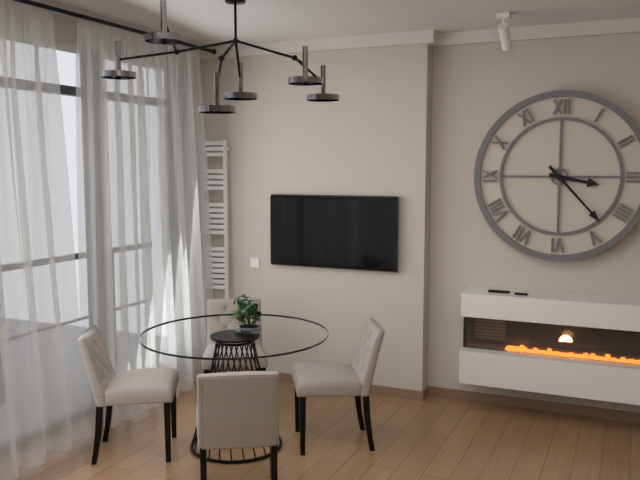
{"hour": 3, "minute": 23}
